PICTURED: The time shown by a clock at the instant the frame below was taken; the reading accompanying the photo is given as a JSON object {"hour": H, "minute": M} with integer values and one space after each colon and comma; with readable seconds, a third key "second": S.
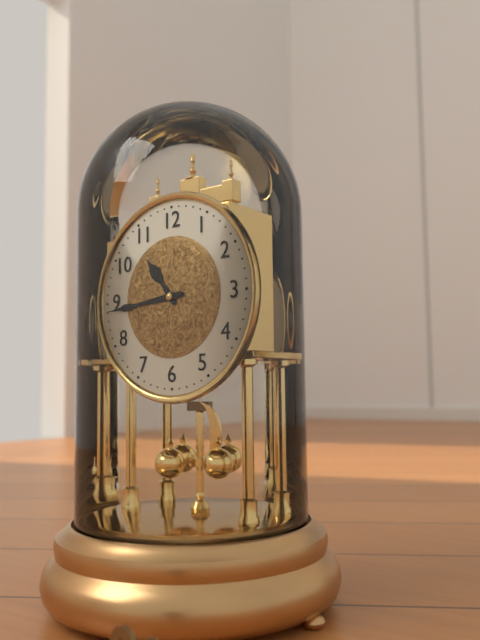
{"hour": 10, "minute": 44}
